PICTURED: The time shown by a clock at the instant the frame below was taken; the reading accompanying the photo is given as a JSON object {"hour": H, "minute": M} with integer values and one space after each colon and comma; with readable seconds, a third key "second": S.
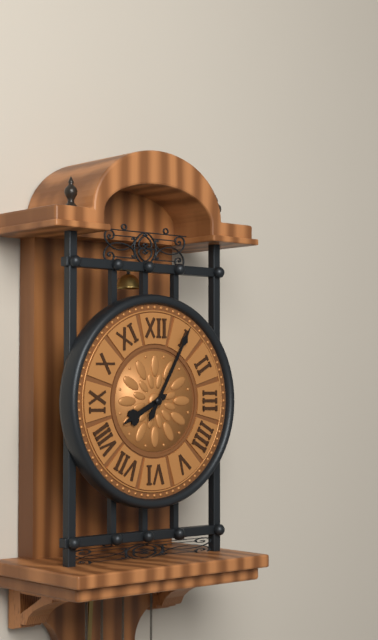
{"hour": 8, "minute": 5}
